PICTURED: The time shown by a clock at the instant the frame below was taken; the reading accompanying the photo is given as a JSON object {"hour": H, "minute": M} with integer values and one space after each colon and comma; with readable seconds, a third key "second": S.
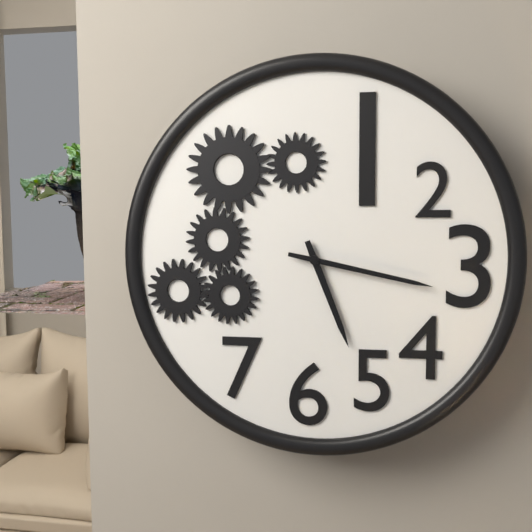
{"hour": 5, "minute": 17}
